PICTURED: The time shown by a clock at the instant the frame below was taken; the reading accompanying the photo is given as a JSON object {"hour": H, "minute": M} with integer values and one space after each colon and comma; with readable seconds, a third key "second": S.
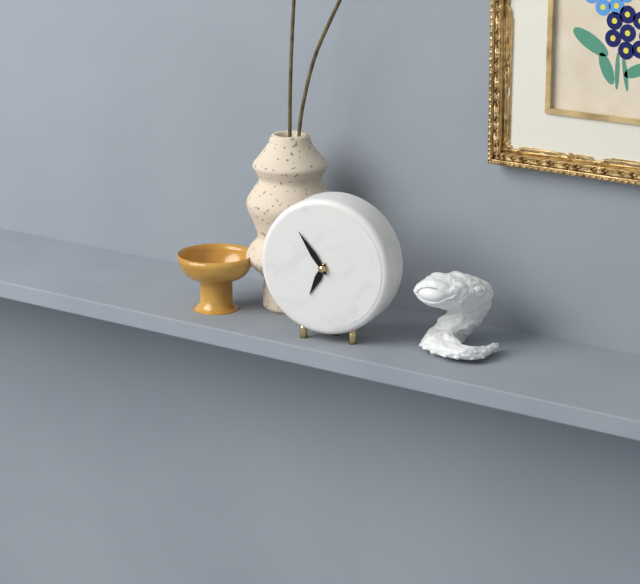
{"hour": 6, "minute": 54}
